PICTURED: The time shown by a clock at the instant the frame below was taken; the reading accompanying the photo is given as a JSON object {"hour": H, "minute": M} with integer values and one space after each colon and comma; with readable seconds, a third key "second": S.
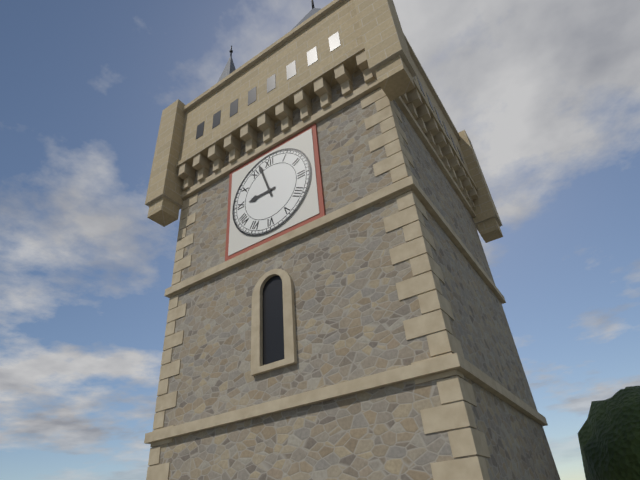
{"hour": 8, "minute": 57}
